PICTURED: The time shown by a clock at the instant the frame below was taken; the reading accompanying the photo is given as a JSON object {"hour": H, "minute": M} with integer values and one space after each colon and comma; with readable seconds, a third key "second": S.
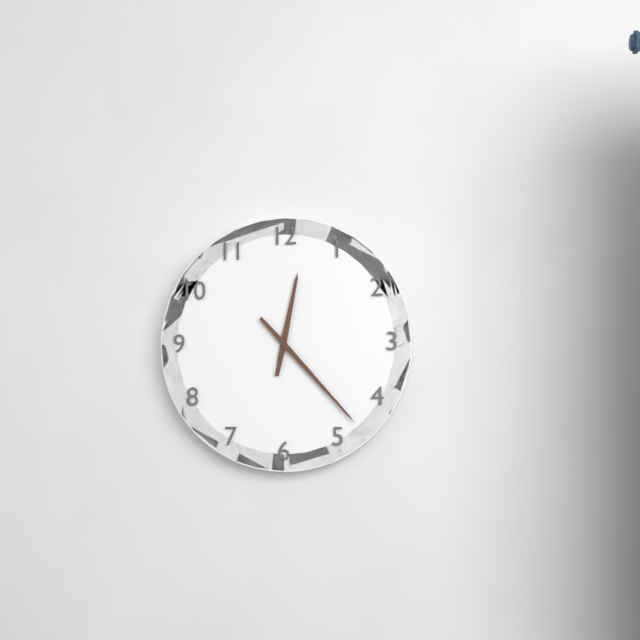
{"hour": 12, "minute": 23}
